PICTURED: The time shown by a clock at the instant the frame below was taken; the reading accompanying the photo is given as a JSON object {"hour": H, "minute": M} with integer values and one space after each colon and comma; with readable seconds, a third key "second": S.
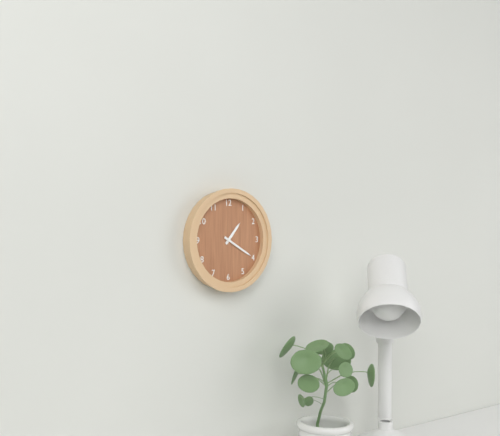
{"hour": 1, "minute": 20}
